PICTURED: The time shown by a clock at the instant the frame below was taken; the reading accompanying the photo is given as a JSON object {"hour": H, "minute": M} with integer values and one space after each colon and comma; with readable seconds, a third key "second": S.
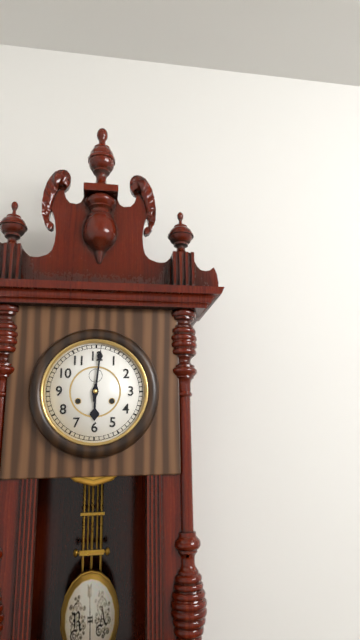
{"hour": 6, "minute": 1}
